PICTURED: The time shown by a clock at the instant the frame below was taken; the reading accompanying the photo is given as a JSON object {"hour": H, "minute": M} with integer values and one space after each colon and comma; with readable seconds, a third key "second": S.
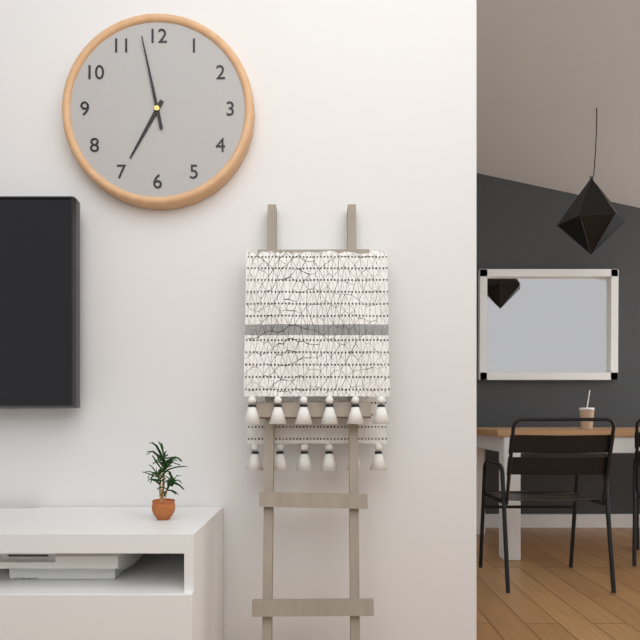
{"hour": 6, "minute": 58}
